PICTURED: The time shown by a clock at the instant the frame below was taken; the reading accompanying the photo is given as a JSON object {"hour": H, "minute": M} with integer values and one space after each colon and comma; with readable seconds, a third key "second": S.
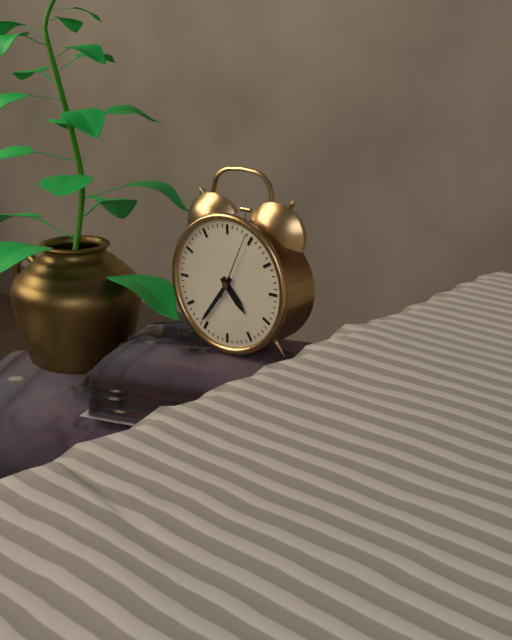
{"hour": 4, "minute": 36, "second": 4}
